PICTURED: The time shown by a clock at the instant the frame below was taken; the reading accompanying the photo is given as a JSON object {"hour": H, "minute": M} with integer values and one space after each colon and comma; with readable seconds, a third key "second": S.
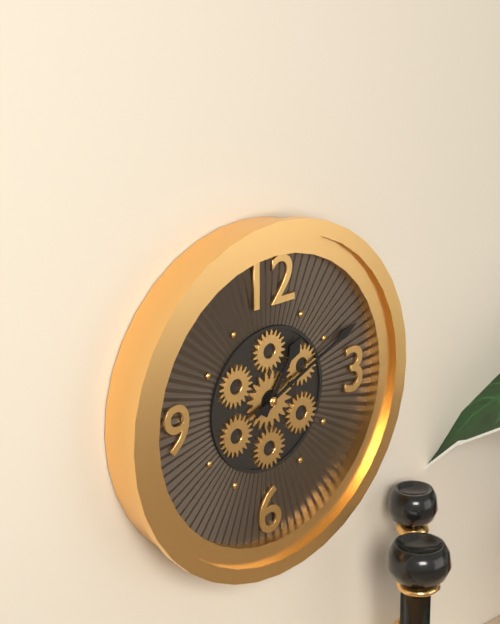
{"hour": 1, "minute": 11}
